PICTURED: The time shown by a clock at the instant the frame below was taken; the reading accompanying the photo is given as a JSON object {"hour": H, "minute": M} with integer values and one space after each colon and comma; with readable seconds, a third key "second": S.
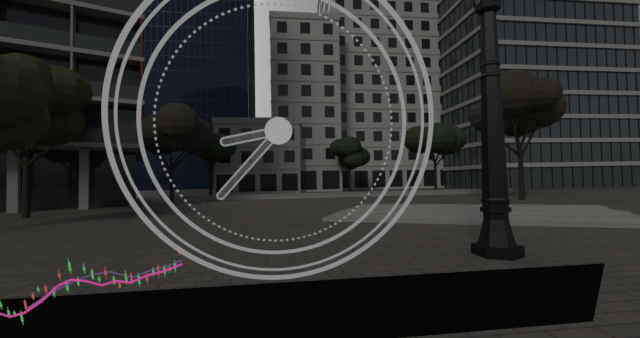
{"hour": 8, "minute": 37}
